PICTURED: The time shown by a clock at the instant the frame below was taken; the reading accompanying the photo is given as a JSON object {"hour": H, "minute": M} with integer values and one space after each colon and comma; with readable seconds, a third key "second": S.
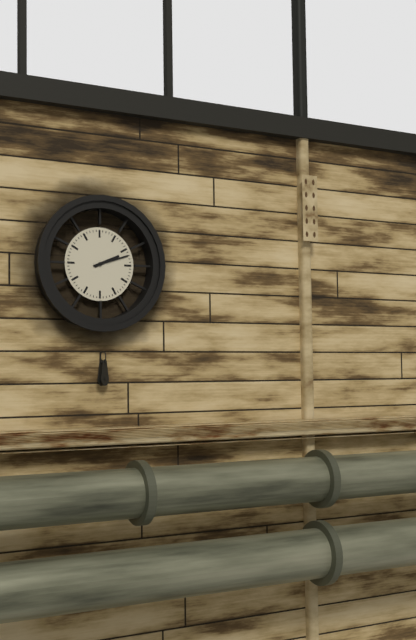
{"hour": 2, "minute": 12}
